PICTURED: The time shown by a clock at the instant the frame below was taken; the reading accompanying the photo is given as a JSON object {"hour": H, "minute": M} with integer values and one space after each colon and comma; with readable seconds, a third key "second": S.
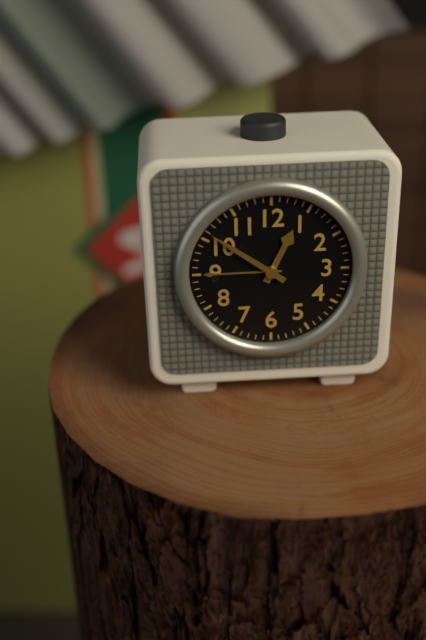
{"hour": 12, "minute": 51}
